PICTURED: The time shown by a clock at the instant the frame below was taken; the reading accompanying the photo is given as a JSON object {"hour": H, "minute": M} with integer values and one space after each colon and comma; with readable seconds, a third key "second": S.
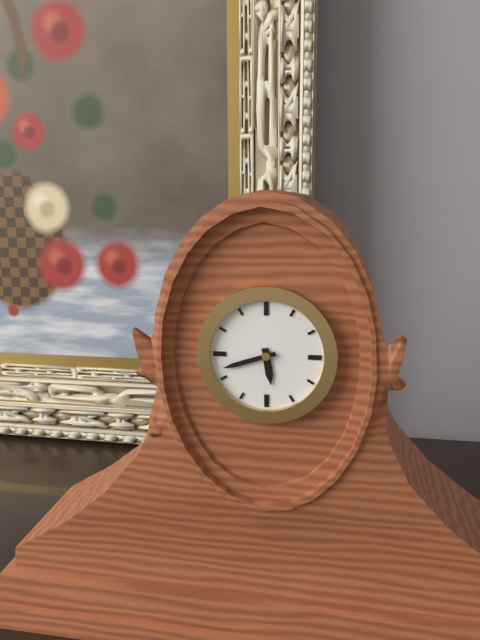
{"hour": 5, "minute": 42}
